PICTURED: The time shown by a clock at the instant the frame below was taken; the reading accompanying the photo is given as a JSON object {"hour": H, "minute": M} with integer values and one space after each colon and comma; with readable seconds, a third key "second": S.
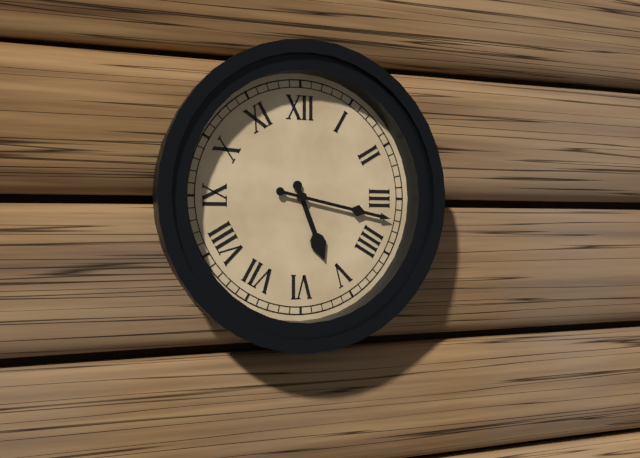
{"hour": 5, "minute": 17}
